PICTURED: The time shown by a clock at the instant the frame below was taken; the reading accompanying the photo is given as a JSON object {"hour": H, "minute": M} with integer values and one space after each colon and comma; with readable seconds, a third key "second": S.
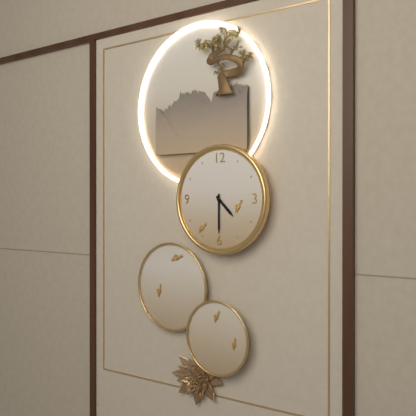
{"hour": 4, "minute": 30}
